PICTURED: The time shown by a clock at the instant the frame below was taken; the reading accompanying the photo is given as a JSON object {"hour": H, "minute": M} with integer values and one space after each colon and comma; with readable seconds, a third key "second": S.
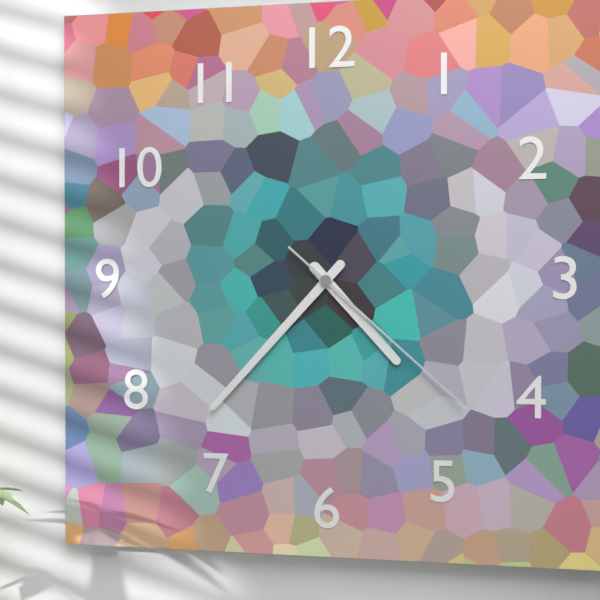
{"hour": 4, "minute": 37, "second": 22}
